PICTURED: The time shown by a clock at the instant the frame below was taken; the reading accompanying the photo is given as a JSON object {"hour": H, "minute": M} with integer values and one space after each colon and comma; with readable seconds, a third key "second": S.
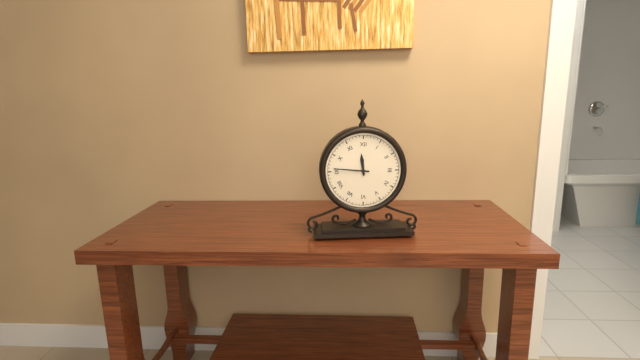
{"hour": 11, "minute": 46}
